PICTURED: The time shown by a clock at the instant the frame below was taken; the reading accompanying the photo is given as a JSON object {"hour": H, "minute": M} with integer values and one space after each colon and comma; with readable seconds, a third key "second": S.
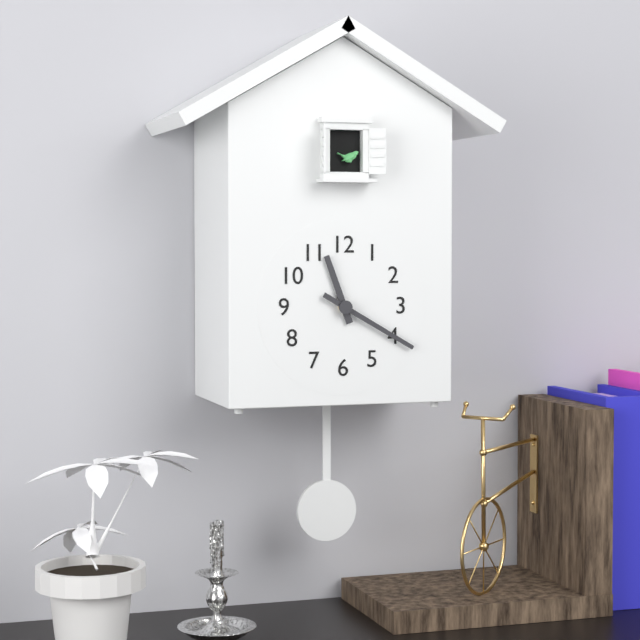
{"hour": 11, "minute": 20}
